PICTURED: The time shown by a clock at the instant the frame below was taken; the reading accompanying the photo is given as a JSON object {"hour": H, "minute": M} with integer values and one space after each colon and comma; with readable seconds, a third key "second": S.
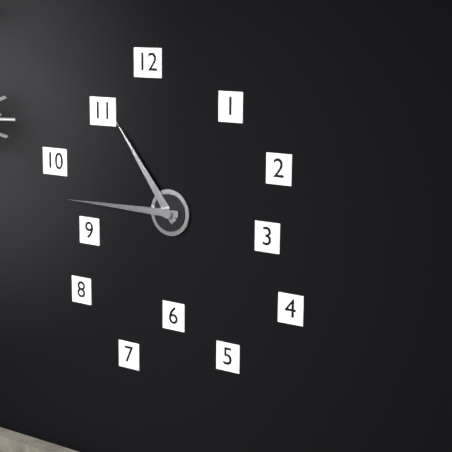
{"hour": 10, "minute": 45}
